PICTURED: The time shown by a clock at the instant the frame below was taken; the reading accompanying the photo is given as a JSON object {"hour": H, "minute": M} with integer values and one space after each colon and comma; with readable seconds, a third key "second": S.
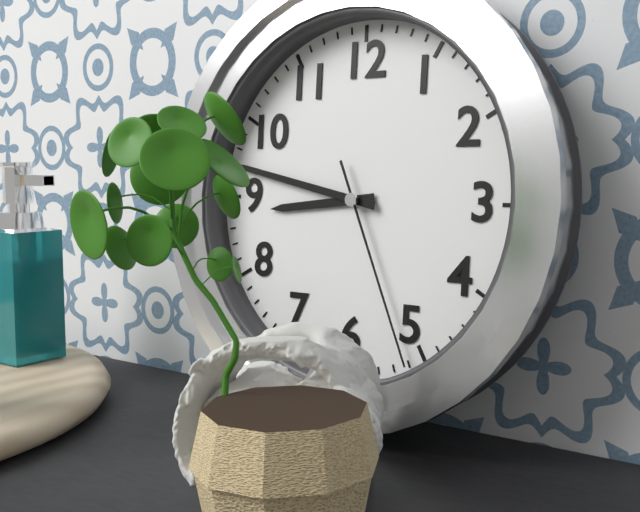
{"hour": 8, "minute": 47, "second": 26}
